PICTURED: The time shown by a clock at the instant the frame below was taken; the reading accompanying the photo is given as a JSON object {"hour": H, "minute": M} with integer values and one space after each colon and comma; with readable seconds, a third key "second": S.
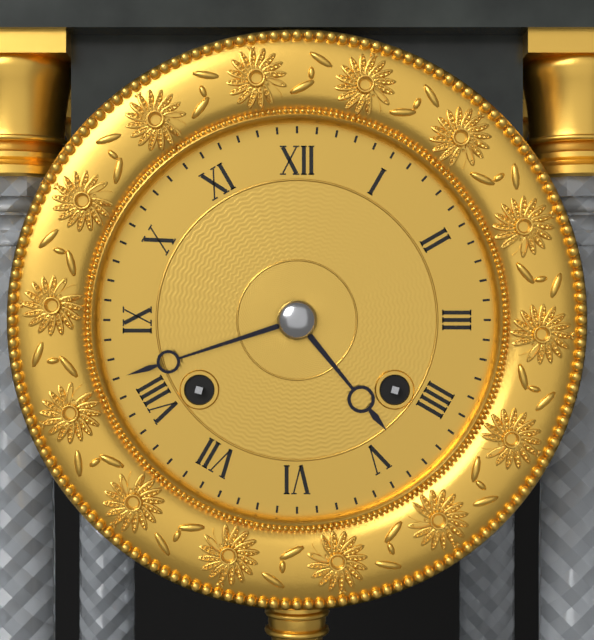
{"hour": 4, "minute": 42}
